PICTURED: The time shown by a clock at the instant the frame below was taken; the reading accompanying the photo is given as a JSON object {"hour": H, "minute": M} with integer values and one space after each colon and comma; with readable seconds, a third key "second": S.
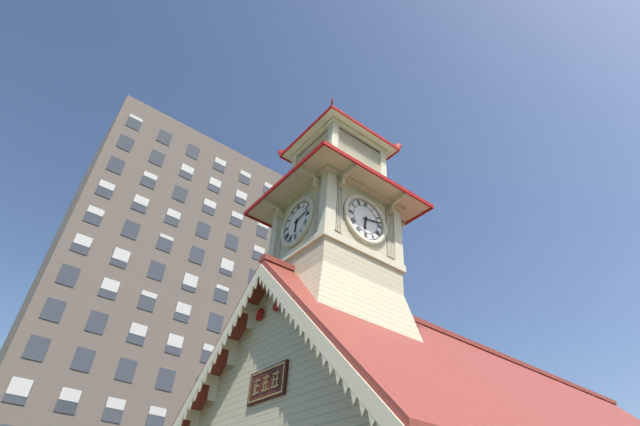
{"hour": 6, "minute": 13}
